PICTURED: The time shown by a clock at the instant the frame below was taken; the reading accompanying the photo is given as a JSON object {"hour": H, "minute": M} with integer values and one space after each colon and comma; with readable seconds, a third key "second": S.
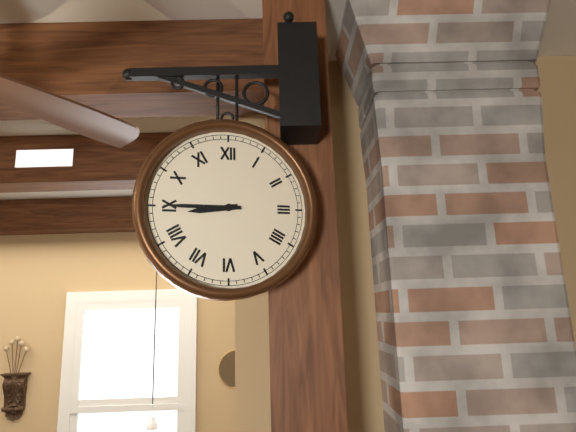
{"hour": 8, "minute": 45}
